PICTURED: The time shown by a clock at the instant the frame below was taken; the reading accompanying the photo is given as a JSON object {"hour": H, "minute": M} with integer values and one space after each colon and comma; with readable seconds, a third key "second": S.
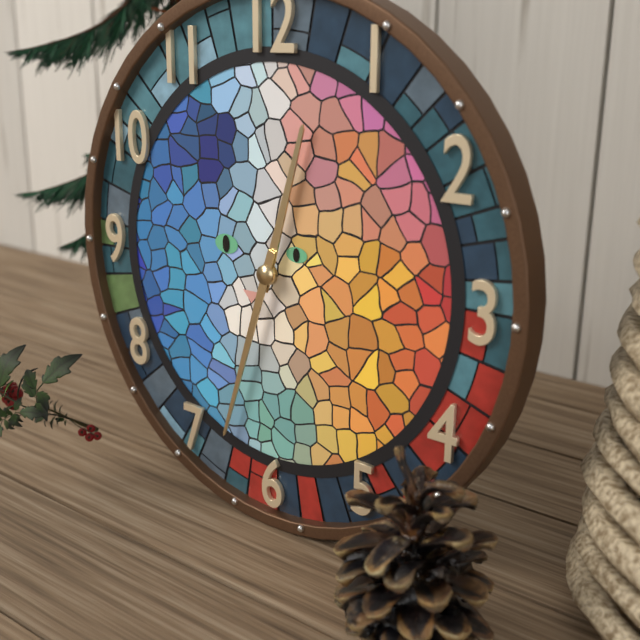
{"hour": 12, "minute": 33}
